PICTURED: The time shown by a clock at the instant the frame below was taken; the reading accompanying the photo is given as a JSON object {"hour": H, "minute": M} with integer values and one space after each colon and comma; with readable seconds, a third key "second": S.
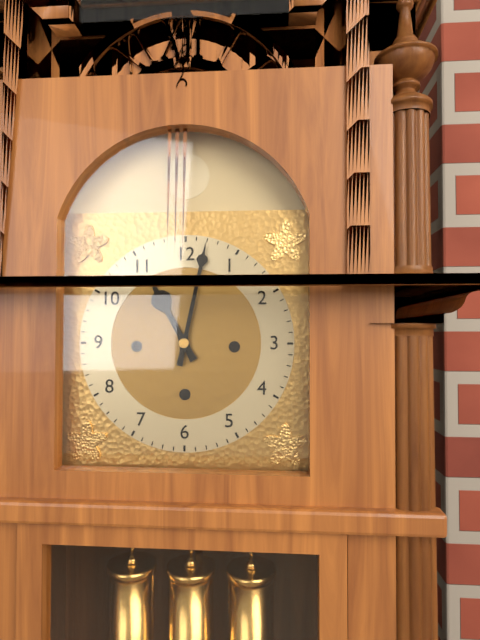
{"hour": 11, "minute": 2}
